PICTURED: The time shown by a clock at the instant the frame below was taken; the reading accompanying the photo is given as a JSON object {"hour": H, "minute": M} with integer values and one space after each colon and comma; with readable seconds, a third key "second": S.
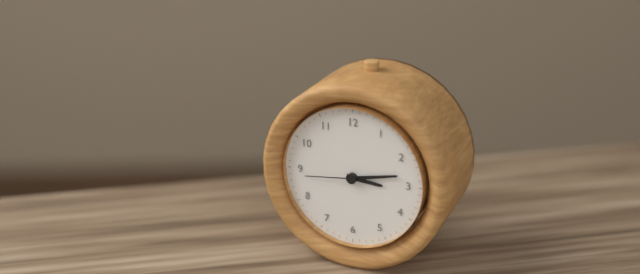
{"hour": 3, "minute": 13, "second": 44}
